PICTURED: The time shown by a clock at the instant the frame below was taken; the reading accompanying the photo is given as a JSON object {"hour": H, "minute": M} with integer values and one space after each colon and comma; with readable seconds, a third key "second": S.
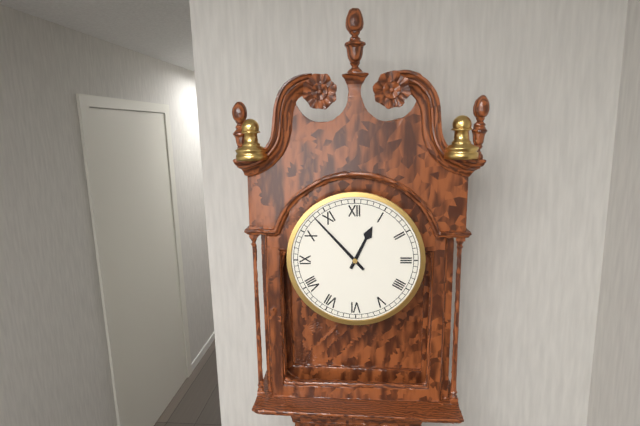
{"hour": 12, "minute": 53}
